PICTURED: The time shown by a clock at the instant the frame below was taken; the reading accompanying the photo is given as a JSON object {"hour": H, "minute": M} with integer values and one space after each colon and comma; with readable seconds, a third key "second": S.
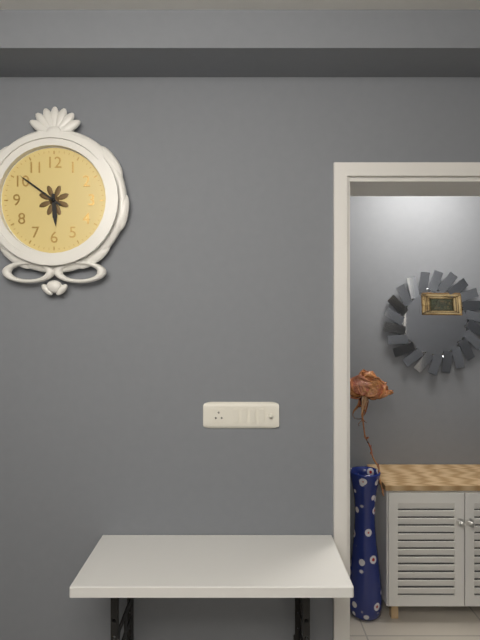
{"hour": 5, "minute": 51}
